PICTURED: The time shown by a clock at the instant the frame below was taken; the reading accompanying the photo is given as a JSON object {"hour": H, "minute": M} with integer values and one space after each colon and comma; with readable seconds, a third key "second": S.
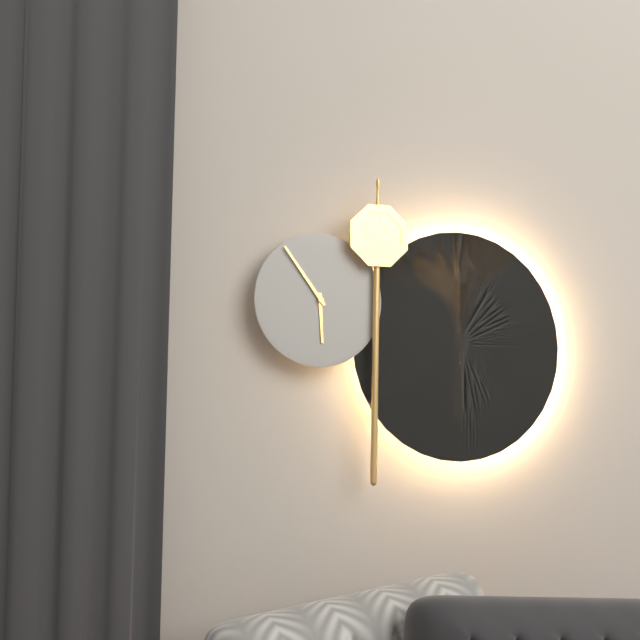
{"hour": 5, "minute": 54}
